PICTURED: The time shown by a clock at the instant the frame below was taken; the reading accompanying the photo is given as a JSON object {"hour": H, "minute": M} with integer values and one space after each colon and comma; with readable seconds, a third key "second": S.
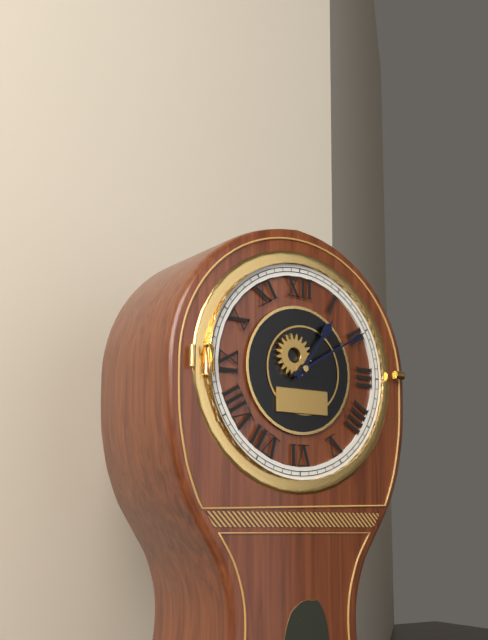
{"hour": 1, "minute": 10}
